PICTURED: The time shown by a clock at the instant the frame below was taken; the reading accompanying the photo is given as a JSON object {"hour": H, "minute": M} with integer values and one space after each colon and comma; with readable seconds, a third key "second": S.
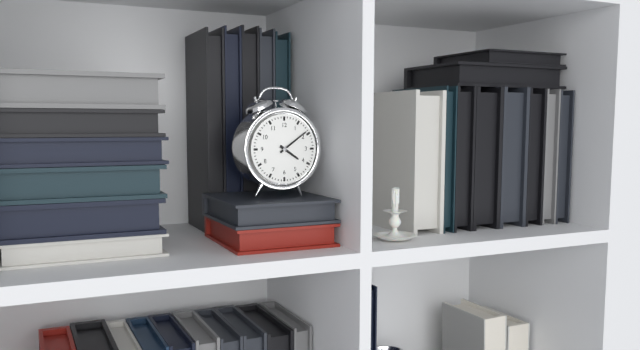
{"hour": 4, "minute": 9}
